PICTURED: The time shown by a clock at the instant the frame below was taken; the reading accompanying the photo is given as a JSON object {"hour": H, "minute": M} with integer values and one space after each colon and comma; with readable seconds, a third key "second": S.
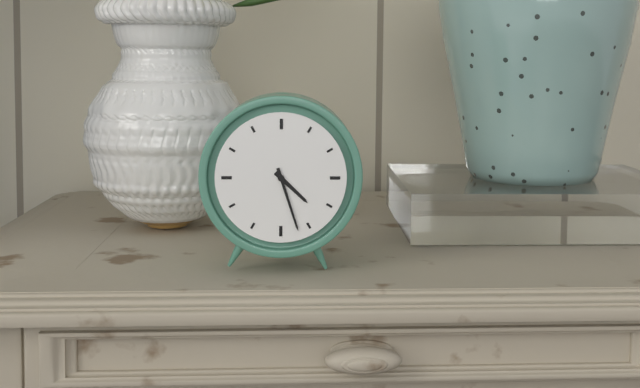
{"hour": 4, "minute": 27}
